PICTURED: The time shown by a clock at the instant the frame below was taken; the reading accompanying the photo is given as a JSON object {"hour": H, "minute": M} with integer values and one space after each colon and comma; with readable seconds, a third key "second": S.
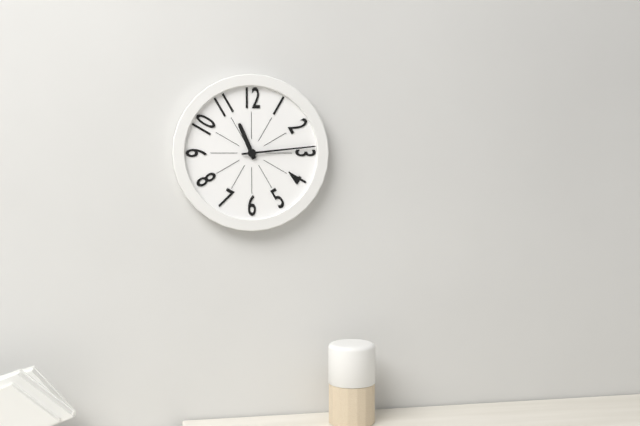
{"hour": 11, "minute": 14}
